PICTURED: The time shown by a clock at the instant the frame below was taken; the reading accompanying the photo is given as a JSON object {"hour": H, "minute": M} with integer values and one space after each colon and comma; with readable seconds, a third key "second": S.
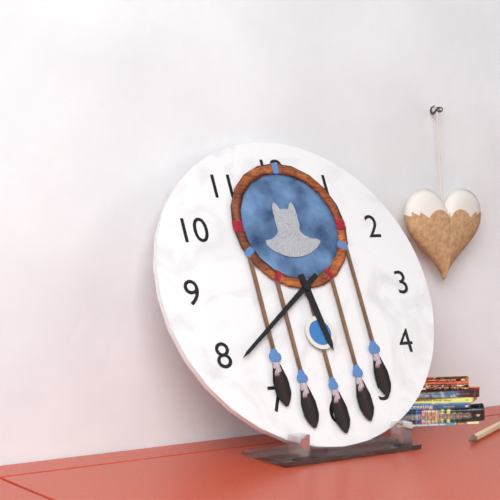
{"hour": 5, "minute": 39}
